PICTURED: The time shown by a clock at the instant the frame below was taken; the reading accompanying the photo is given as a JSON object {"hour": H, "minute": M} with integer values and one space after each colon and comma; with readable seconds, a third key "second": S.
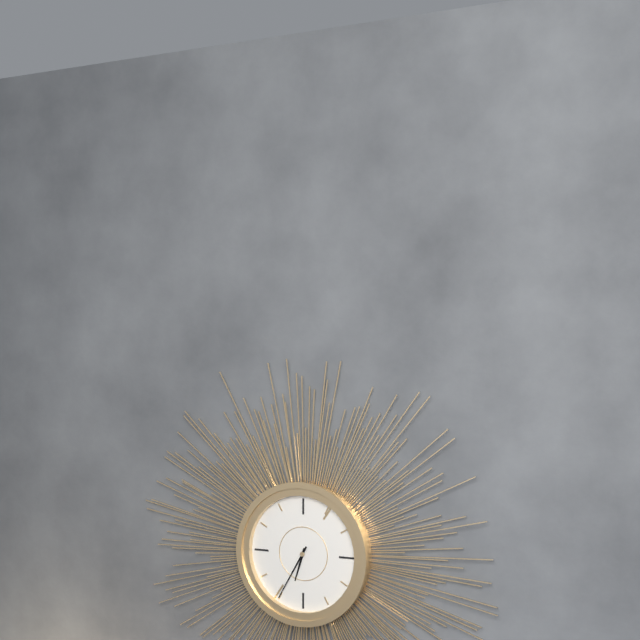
{"hour": 6, "minute": 35}
